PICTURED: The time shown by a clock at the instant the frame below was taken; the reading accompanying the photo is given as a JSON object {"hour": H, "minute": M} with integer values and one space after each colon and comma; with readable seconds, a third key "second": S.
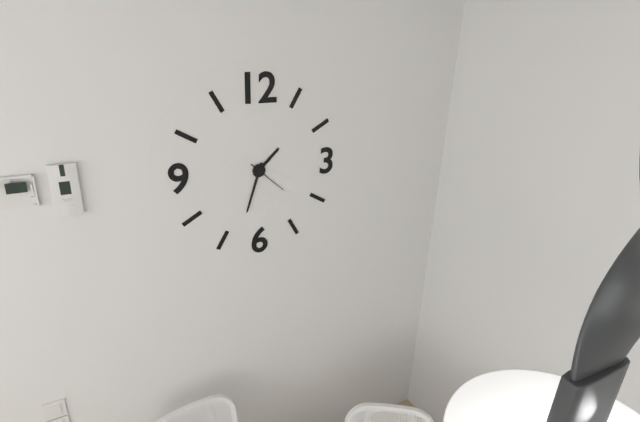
{"hour": 1, "minute": 33}
